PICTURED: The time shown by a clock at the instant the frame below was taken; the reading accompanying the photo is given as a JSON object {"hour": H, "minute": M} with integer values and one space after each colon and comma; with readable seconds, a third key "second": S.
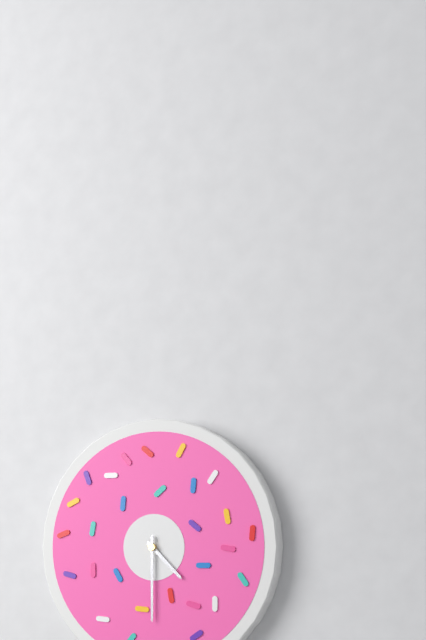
{"hour": 4, "minute": 30}
